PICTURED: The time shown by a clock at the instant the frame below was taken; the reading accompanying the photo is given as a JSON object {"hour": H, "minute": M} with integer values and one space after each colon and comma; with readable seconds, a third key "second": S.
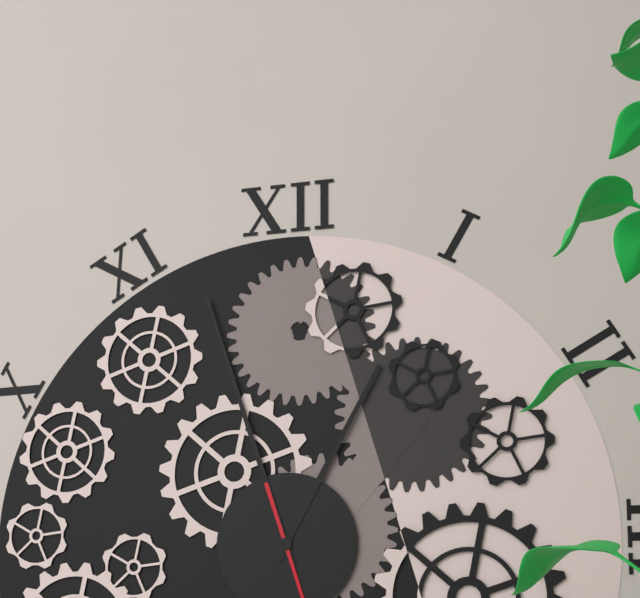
{"hour": 12, "minute": 57}
